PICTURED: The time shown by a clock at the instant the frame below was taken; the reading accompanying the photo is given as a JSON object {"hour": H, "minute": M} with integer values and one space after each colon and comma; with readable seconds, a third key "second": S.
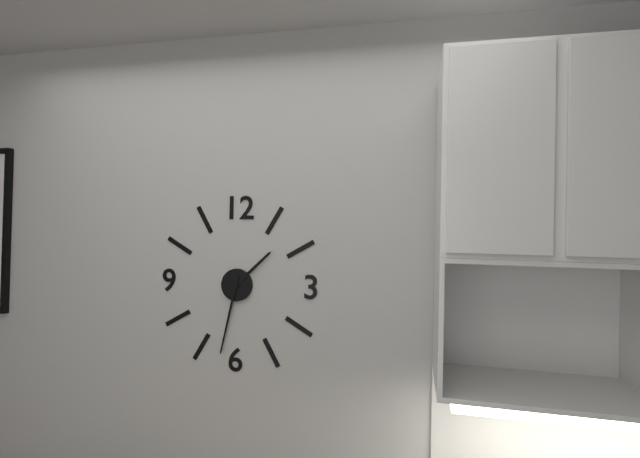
{"hour": 1, "minute": 32}
